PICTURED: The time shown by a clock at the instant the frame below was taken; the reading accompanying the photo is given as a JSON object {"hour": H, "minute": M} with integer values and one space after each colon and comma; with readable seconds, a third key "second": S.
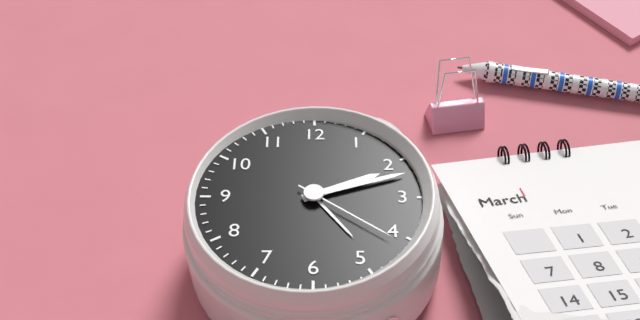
{"hour": 2, "minute": 12, "second": 21}
